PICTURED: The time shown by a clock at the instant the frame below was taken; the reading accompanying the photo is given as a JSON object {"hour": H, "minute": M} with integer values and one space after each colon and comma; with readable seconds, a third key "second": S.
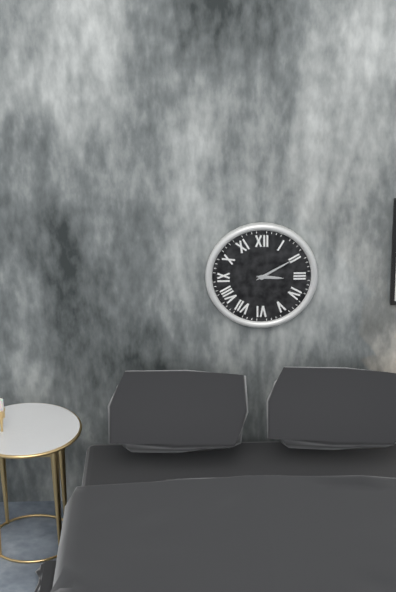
{"hour": 3, "minute": 10}
